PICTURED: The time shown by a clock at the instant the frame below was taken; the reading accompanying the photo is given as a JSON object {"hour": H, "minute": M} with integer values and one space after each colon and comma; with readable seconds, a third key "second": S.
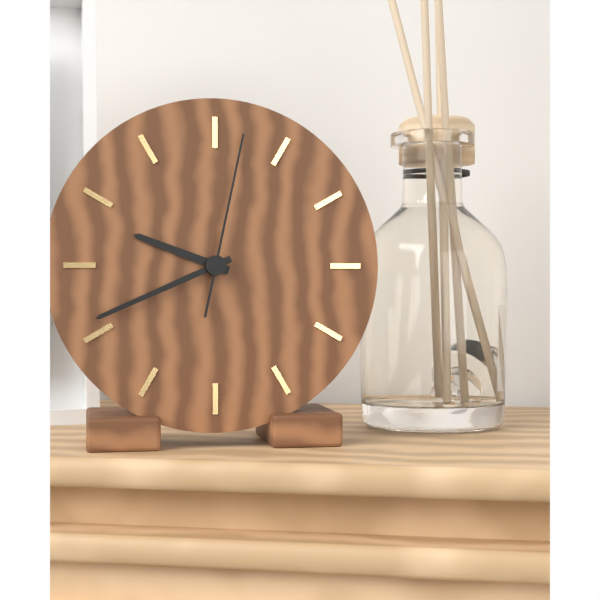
{"hour": 9, "minute": 41, "second": 2}
